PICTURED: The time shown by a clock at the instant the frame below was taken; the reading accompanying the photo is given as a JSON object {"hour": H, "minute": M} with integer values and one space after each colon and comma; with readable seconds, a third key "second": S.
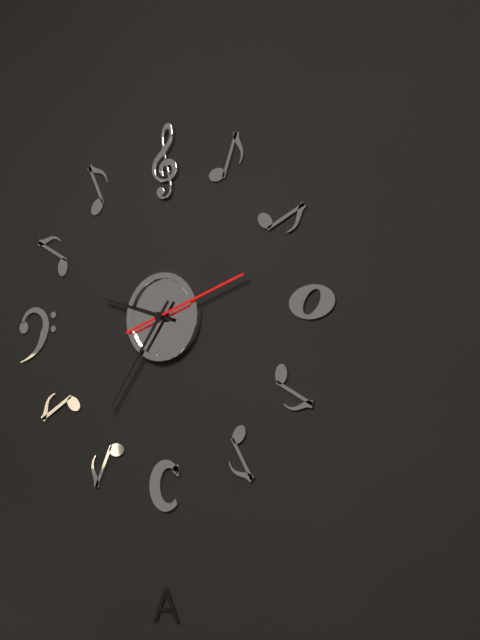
{"hour": 9, "minute": 36, "second": 12}
